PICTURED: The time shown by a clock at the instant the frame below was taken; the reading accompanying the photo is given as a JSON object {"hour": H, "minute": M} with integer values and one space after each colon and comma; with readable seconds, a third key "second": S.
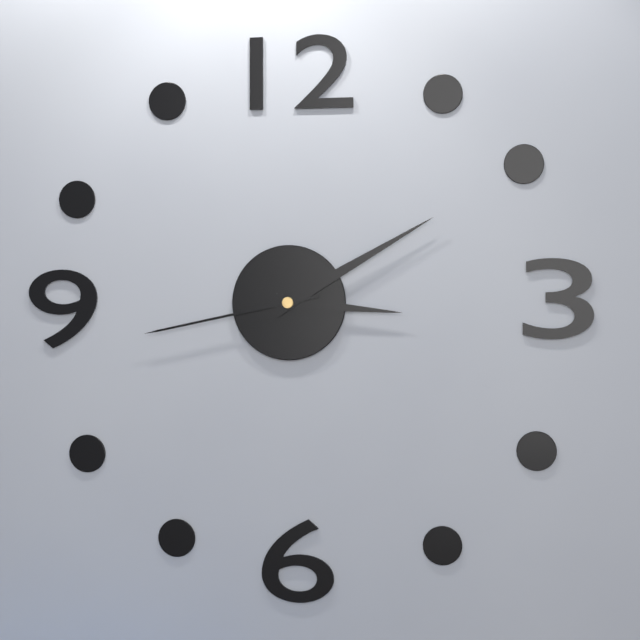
{"hour": 3, "minute": 10, "second": 43}
